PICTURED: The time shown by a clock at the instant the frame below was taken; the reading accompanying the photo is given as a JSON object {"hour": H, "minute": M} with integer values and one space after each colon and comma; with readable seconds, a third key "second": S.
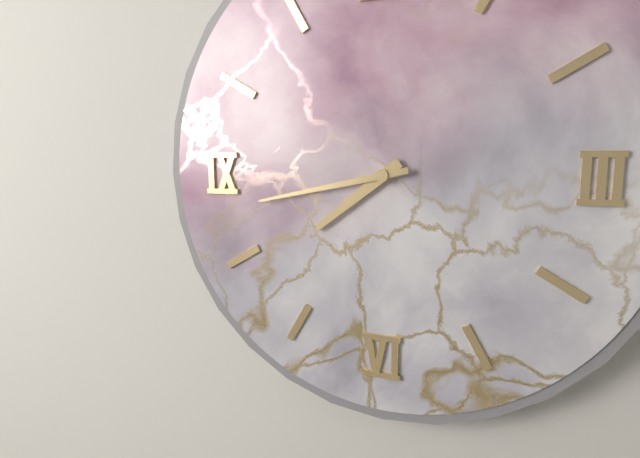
{"hour": 7, "minute": 43}
